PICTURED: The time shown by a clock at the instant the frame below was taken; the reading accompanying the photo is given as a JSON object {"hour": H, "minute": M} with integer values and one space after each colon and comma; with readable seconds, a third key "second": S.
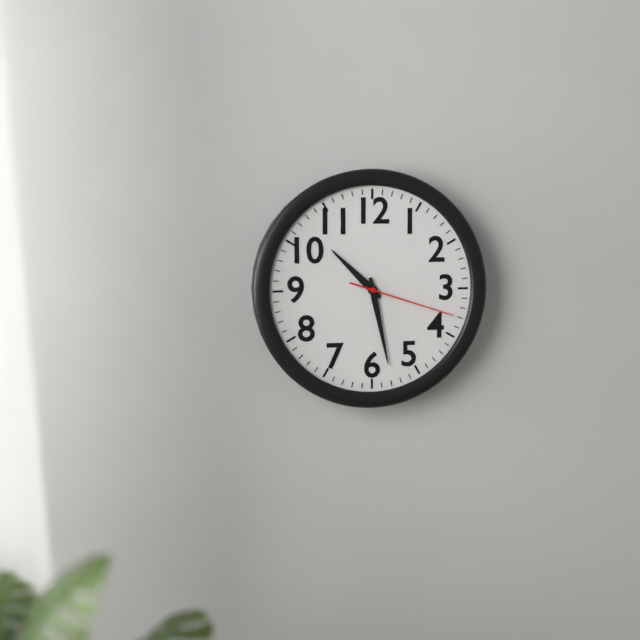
{"hour": 10, "minute": 28, "second": 18}
